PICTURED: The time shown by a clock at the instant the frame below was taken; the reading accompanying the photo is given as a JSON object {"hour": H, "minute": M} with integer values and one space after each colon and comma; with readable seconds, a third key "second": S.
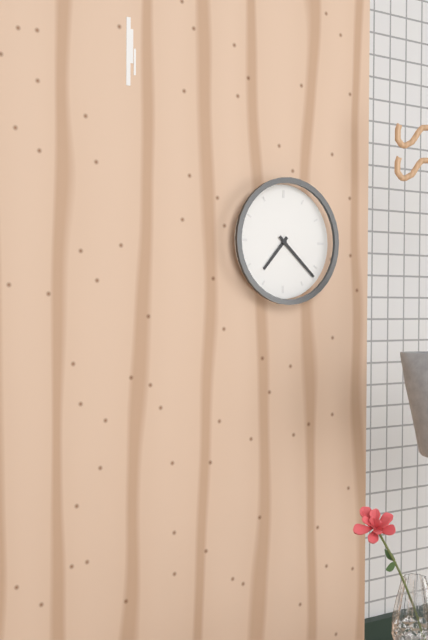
{"hour": 7, "minute": 22}
